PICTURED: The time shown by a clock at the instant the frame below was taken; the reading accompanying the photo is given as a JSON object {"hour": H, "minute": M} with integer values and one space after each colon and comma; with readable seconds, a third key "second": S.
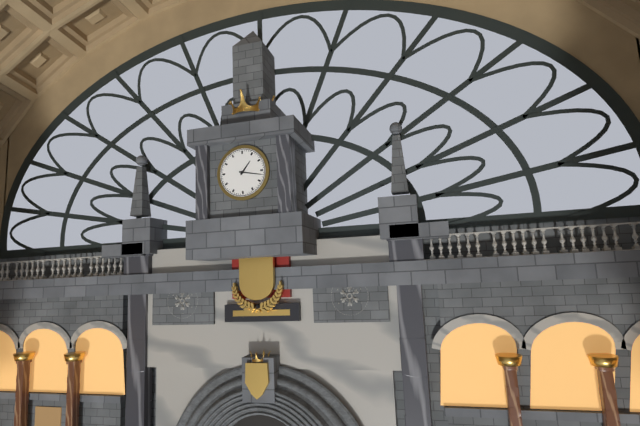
{"hour": 1, "minute": 17}
